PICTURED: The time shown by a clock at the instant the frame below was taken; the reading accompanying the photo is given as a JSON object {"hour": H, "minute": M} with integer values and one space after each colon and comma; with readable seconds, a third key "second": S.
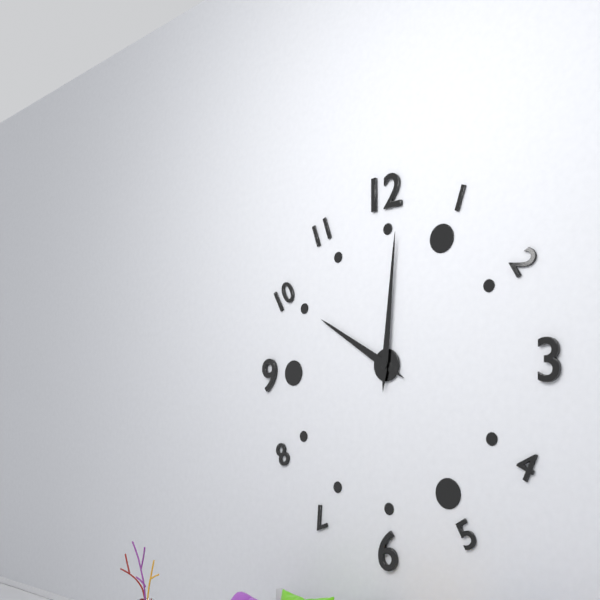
{"hour": 10, "minute": 1}
